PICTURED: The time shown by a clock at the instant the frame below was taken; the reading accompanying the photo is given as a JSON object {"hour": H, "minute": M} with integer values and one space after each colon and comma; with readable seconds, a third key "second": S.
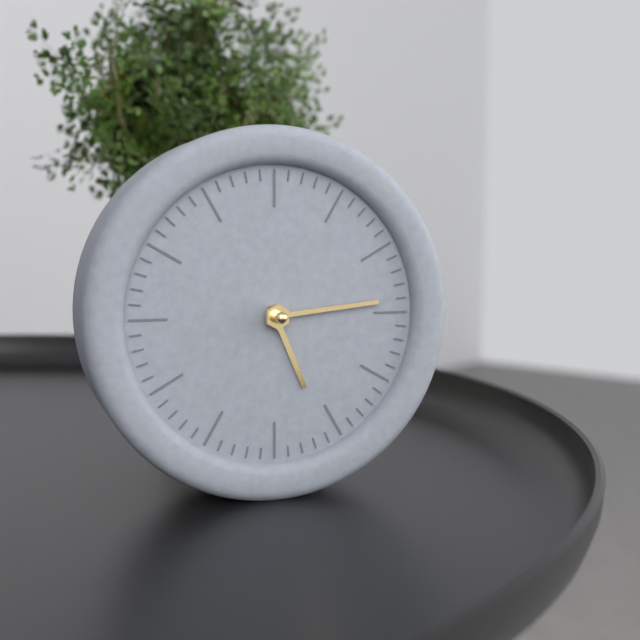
{"hour": 5, "minute": 14}
